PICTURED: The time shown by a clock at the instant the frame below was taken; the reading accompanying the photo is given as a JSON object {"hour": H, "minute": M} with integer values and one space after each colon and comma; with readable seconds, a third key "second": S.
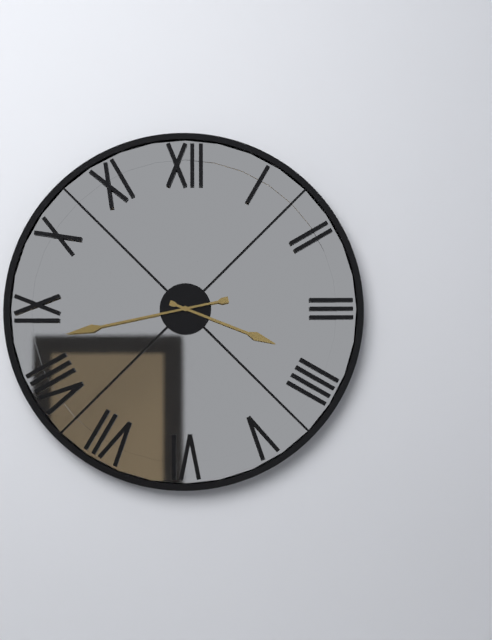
{"hour": 3, "minute": 43}
